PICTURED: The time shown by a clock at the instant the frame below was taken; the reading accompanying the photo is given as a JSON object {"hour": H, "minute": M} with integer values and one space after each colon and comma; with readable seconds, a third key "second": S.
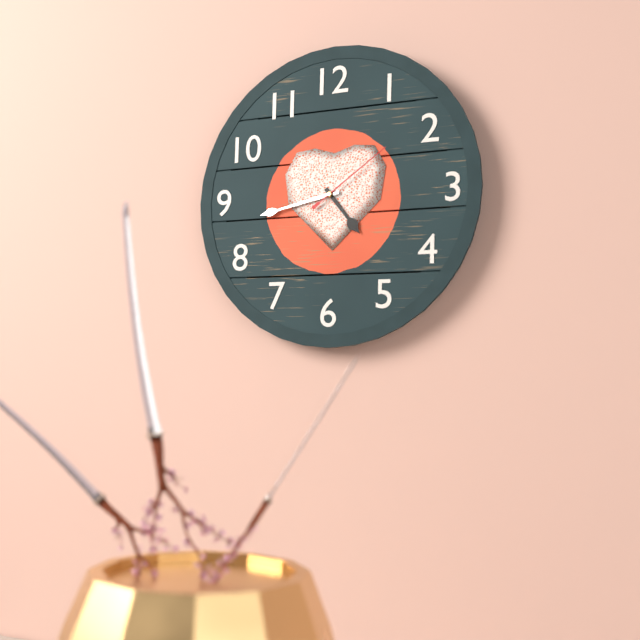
{"hour": 4, "minute": 43, "second": 9}
